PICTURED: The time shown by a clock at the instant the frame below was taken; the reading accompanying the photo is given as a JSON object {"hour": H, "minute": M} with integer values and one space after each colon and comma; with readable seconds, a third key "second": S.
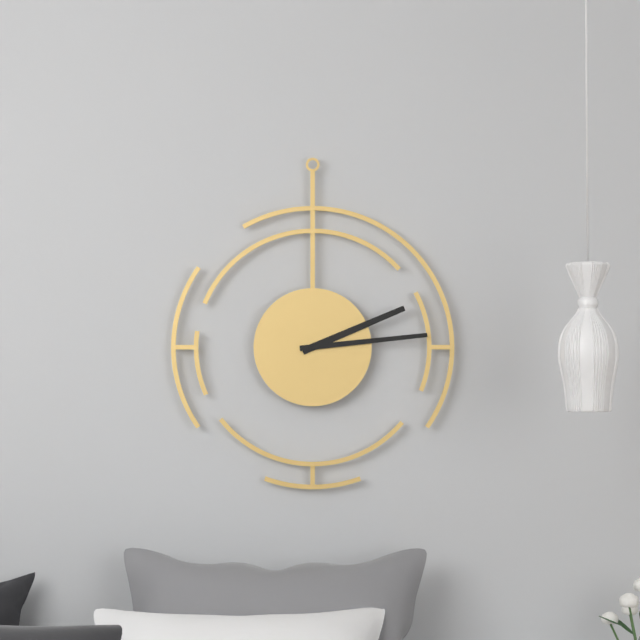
{"hour": 2, "minute": 14}
